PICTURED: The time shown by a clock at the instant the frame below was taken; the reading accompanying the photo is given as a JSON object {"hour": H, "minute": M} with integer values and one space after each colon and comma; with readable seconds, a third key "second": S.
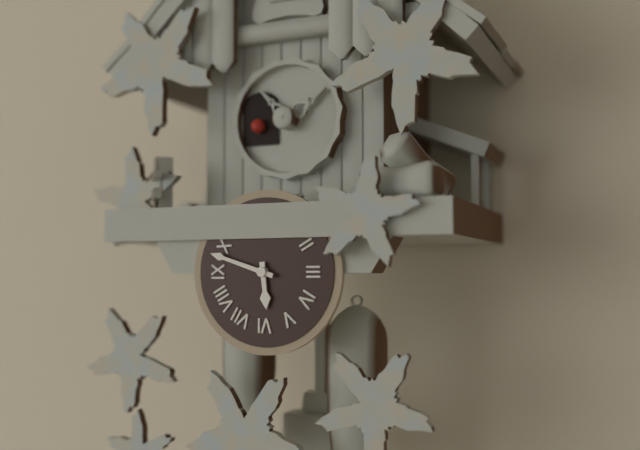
{"hour": 5, "minute": 48}
